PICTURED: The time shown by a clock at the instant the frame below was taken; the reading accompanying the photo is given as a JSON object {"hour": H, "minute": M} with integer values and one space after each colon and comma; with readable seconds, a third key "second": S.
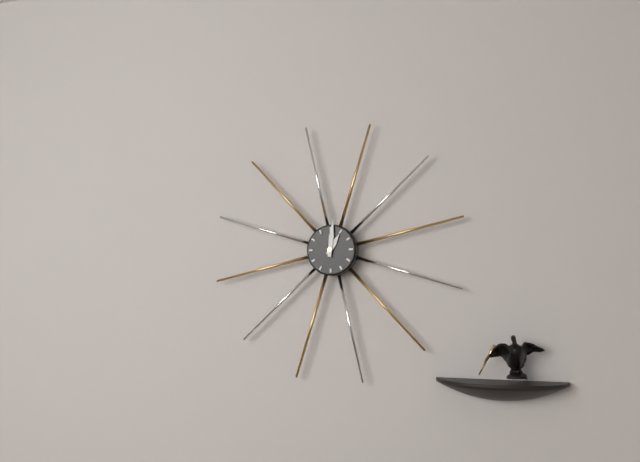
{"hour": 1, "minute": 1}
